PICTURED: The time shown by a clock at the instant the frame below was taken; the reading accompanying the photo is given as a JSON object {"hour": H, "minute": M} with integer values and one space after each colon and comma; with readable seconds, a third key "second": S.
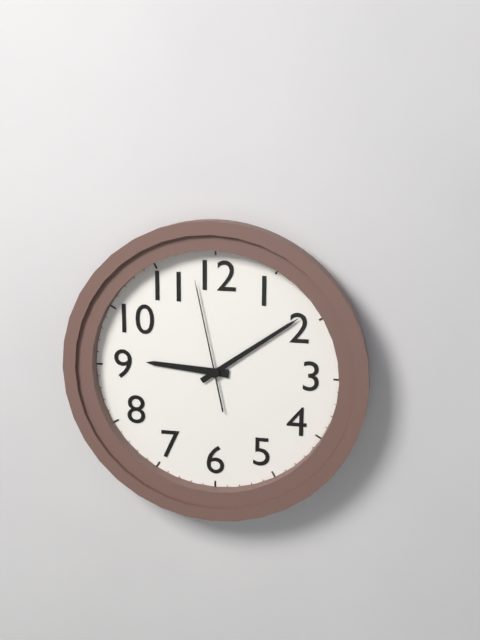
{"hour": 9, "minute": 9, "second": 58}
